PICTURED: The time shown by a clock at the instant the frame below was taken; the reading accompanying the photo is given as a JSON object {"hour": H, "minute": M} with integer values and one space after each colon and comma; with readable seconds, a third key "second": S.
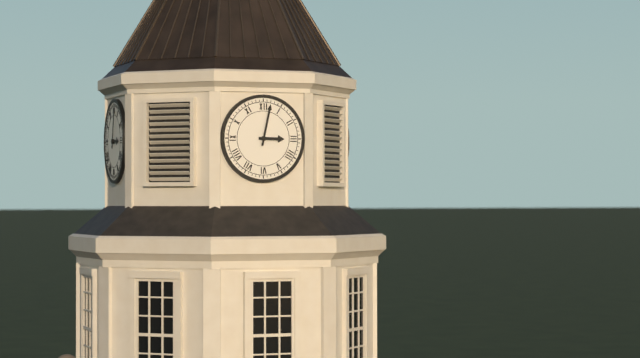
{"hour": 3, "minute": 2}
